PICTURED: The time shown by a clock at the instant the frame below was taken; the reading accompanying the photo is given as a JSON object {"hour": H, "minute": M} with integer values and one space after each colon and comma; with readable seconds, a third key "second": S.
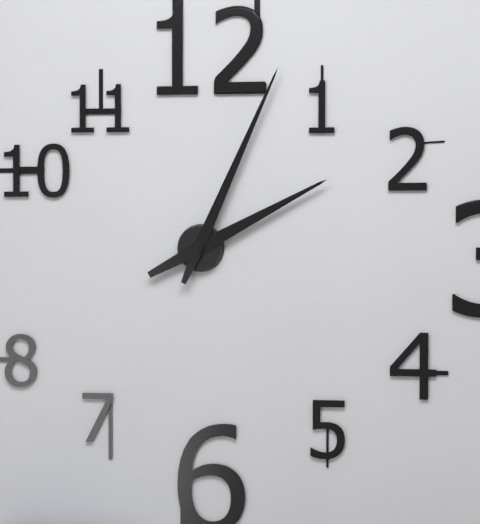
{"hour": 2, "minute": 4}
